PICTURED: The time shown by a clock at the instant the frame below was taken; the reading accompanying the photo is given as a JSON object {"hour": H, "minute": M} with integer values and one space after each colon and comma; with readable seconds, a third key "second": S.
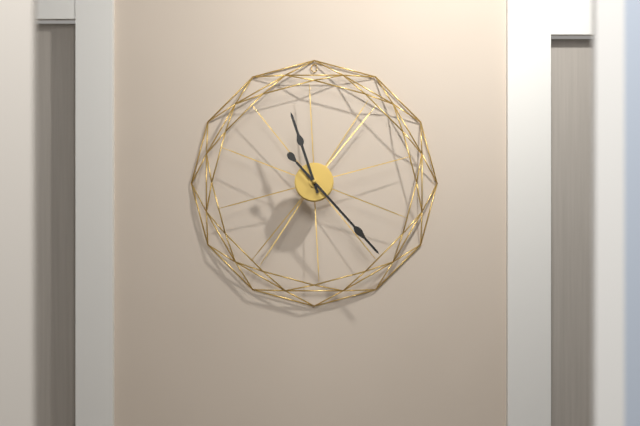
{"hour": 11, "minute": 23}
